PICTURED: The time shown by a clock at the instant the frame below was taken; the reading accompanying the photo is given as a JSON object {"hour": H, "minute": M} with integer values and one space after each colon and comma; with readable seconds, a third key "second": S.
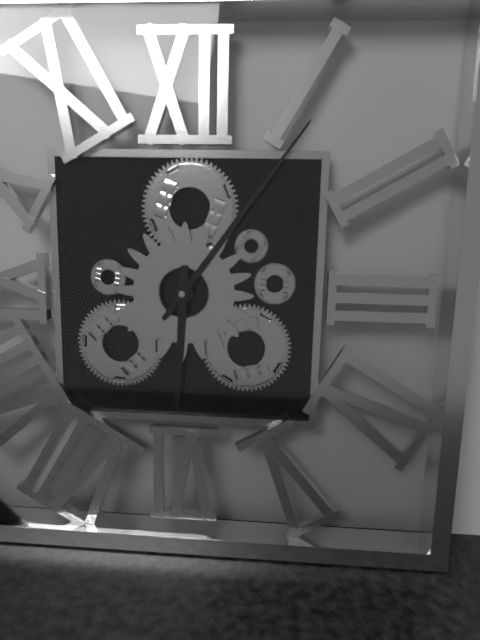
{"hour": 6, "minute": 6}
